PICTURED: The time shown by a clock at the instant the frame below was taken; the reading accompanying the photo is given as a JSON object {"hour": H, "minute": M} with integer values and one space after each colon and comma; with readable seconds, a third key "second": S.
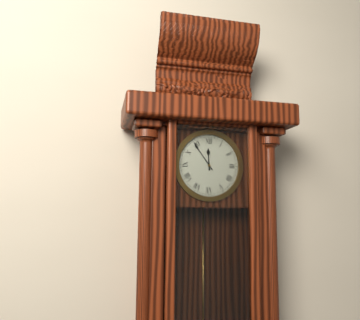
{"hour": 11, "minute": 54}
